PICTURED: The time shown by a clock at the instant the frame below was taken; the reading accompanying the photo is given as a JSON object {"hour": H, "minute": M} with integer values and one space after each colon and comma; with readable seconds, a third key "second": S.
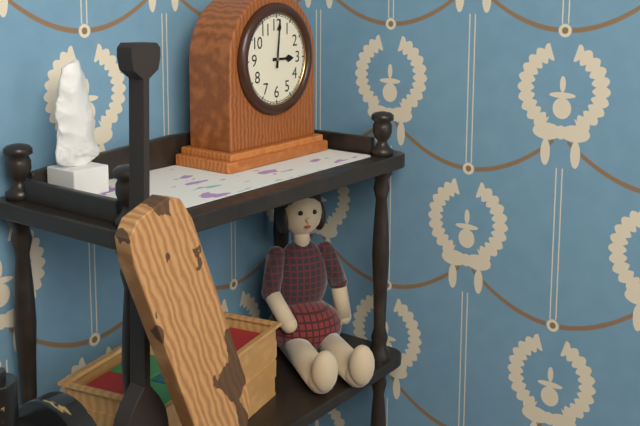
{"hour": 3, "minute": 1}
